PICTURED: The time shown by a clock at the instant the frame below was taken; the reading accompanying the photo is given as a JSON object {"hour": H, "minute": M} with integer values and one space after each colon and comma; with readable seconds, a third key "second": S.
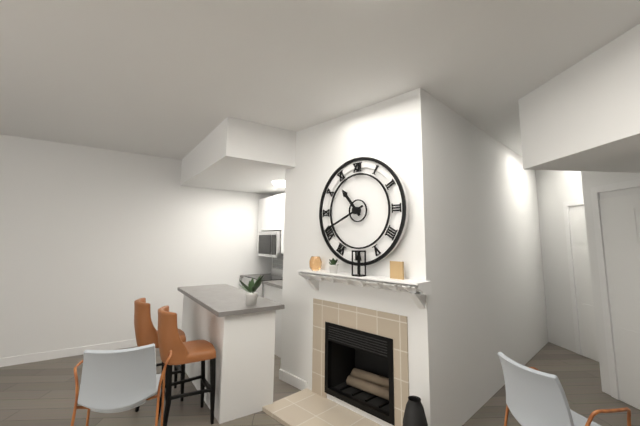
{"hour": 10, "minute": 41}
